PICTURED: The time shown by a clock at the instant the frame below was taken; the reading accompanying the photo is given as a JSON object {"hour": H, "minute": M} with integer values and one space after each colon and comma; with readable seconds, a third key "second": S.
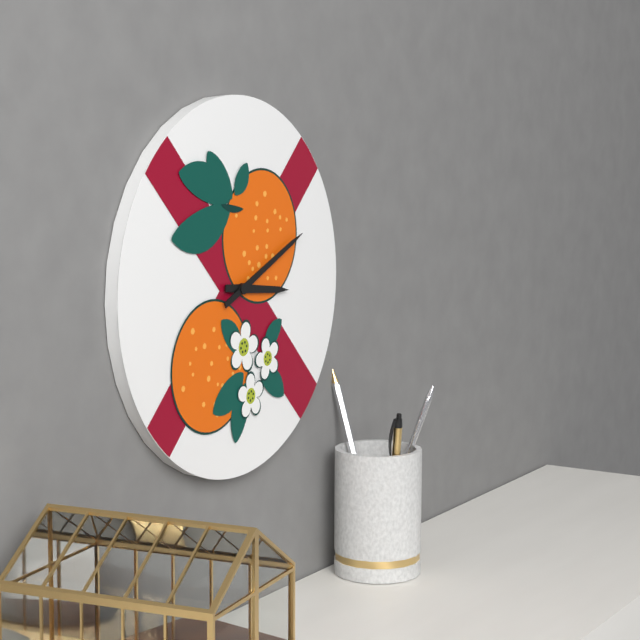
{"hour": 3, "minute": 11}
